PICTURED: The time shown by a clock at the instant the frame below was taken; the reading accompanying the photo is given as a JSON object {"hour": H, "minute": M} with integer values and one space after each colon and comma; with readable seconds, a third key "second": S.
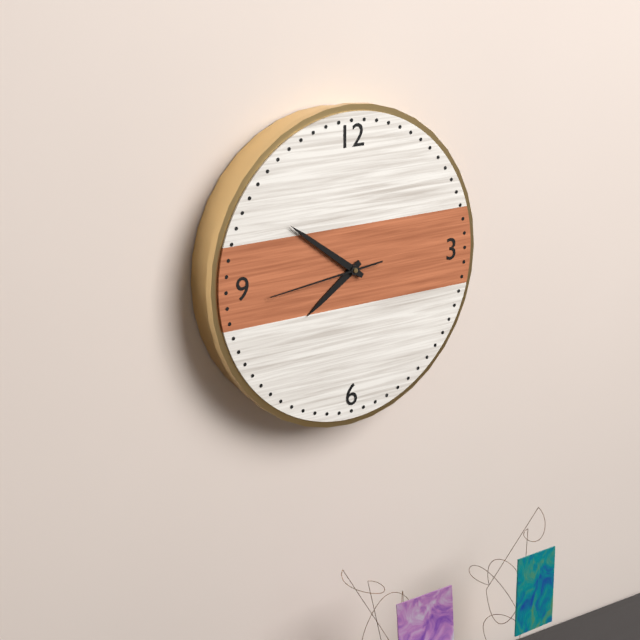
{"hour": 7, "minute": 51, "second": 44}
